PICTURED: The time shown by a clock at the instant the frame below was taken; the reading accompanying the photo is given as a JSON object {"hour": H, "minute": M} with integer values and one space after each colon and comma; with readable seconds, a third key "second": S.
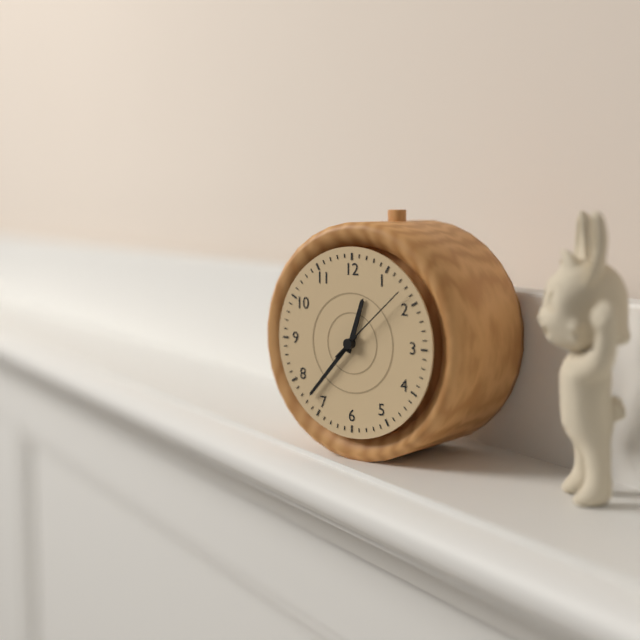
{"hour": 12, "minute": 37, "second": 8}
